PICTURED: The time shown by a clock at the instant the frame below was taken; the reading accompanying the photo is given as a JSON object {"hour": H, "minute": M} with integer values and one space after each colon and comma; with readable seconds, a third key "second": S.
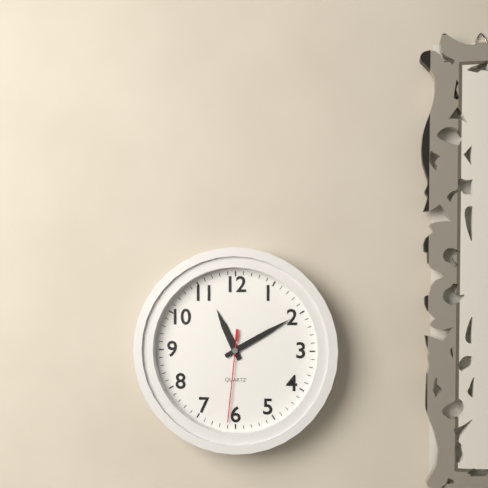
{"hour": 11, "minute": 10, "second": 31}
